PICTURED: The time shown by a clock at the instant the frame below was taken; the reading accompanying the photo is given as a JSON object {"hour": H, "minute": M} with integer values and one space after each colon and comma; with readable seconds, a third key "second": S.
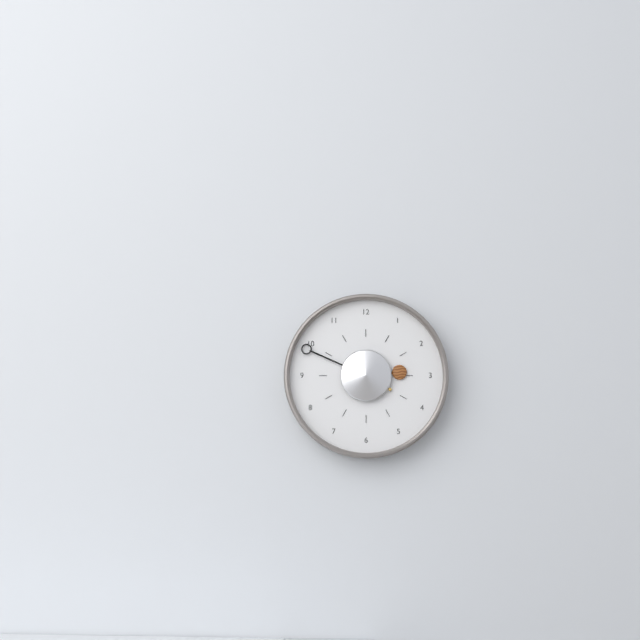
{"hour": 2, "minute": 49}
